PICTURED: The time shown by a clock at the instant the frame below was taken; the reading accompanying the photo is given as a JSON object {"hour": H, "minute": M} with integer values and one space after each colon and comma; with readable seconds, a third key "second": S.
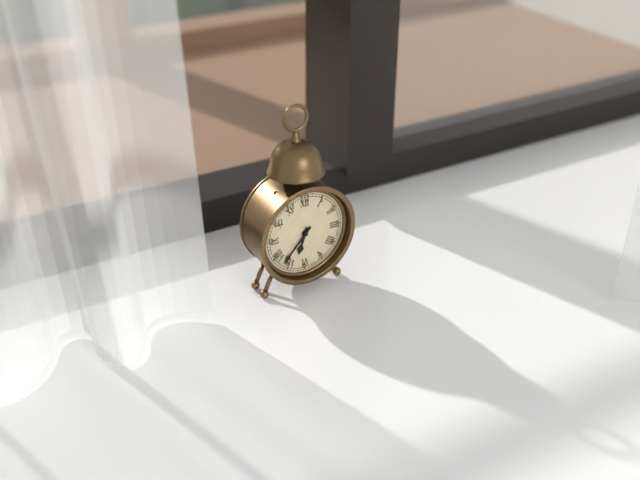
{"hour": 6, "minute": 37}
